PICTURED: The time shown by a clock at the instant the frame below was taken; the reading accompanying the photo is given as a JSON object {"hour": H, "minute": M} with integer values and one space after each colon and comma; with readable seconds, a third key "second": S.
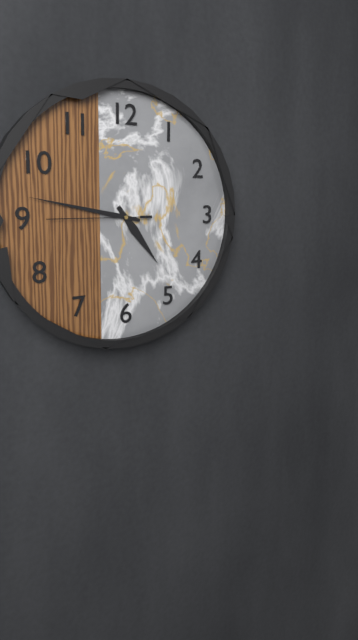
{"hour": 4, "minute": 47, "second": 45}
